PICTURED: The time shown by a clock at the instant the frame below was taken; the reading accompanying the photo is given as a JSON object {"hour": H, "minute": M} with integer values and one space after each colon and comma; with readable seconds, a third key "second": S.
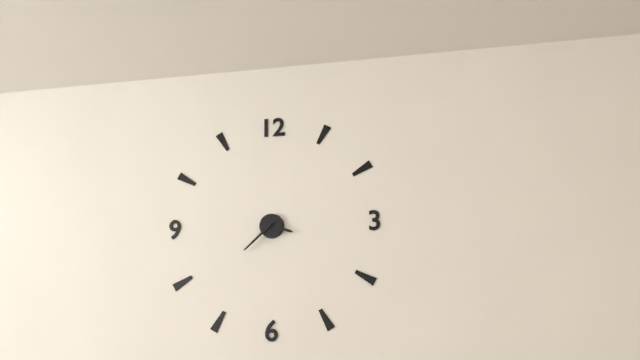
{"hour": 3, "minute": 38}
